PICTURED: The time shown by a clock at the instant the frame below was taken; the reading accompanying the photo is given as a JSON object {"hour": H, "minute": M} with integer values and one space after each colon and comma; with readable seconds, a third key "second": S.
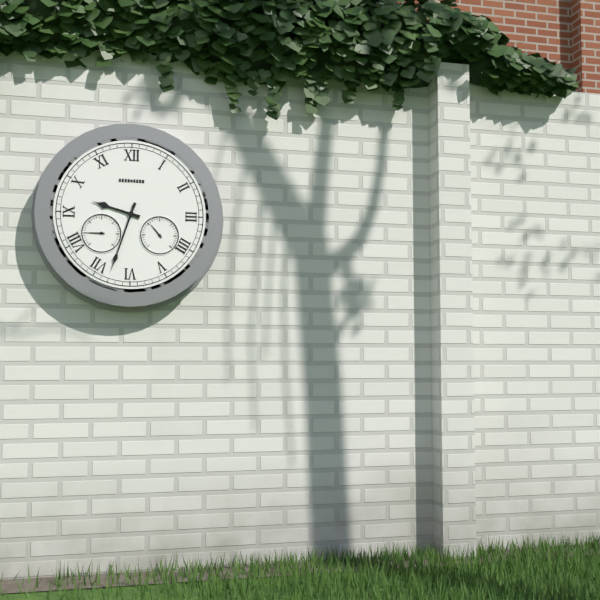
{"hour": 9, "minute": 33}
